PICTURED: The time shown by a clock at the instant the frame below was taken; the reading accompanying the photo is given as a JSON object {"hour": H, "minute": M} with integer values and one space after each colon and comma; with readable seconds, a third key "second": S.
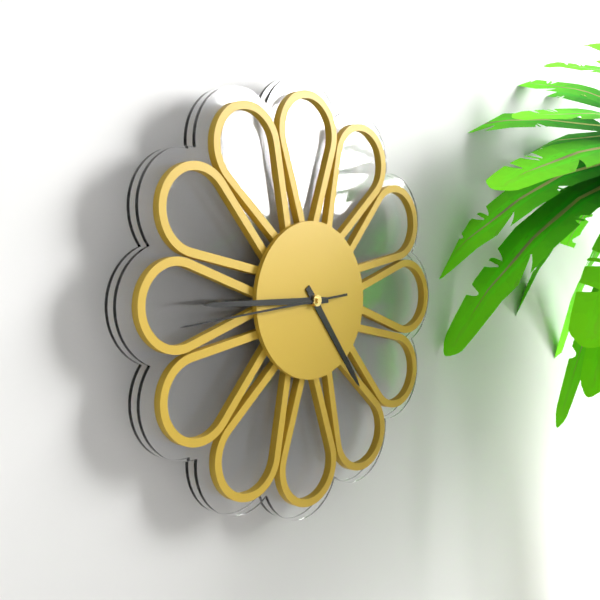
{"hour": 4, "minute": 45, "second": 44}
